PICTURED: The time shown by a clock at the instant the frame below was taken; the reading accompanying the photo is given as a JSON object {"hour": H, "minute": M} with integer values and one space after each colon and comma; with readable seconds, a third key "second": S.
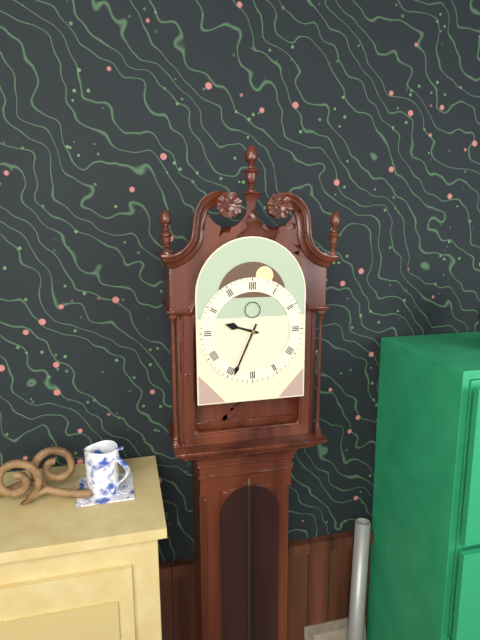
{"hour": 9, "minute": 34}
